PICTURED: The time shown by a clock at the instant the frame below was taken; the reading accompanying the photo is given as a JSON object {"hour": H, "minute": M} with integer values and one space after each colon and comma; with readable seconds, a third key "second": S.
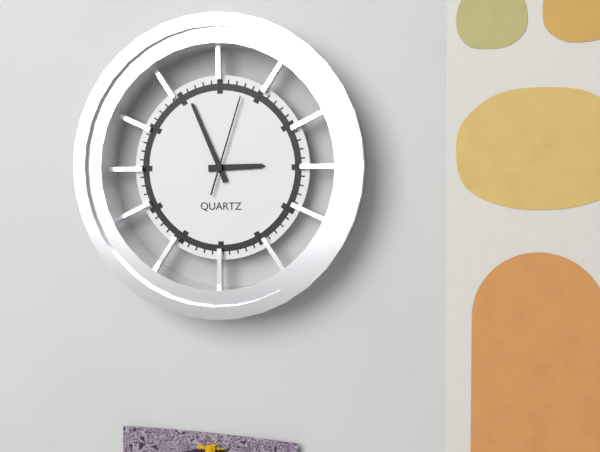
{"hour": 2, "minute": 56, "second": 3}
